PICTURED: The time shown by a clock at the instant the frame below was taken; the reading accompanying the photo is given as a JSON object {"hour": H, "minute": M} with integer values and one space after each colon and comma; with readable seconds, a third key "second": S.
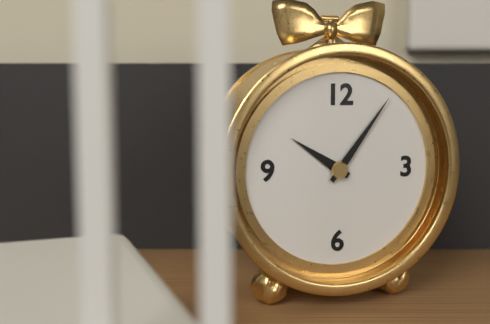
{"hour": 10, "minute": 6}
